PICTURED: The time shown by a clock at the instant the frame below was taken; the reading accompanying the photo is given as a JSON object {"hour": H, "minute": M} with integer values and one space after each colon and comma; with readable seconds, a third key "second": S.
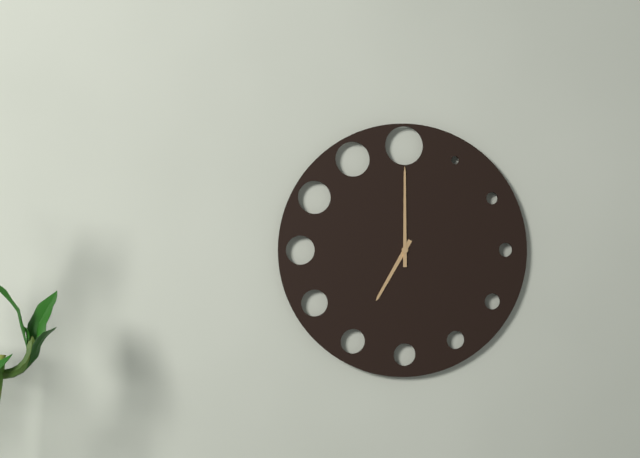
{"hour": 7, "minute": 0}
